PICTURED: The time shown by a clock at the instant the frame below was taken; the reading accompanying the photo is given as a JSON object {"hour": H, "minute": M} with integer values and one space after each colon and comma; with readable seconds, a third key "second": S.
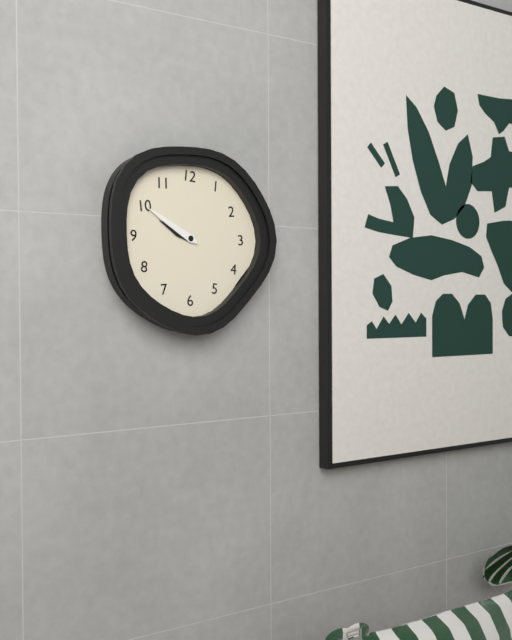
{"hour": 9, "minute": 50}
